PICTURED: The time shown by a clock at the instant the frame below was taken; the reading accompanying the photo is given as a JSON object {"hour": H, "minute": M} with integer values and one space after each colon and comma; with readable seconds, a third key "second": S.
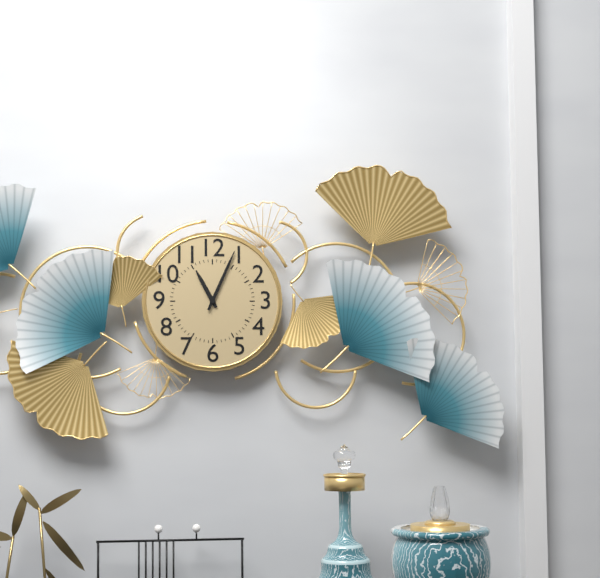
{"hour": 11, "minute": 4}
